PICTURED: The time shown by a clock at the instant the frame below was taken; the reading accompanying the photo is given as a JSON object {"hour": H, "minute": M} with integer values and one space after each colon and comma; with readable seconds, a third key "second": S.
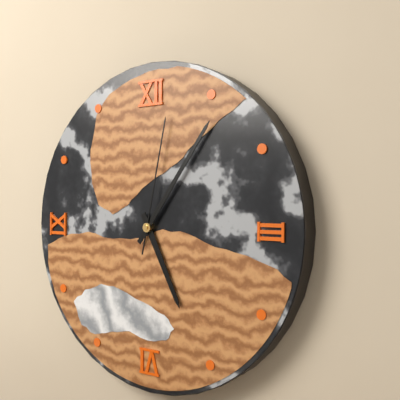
{"hour": 5, "minute": 6, "second": 2}
